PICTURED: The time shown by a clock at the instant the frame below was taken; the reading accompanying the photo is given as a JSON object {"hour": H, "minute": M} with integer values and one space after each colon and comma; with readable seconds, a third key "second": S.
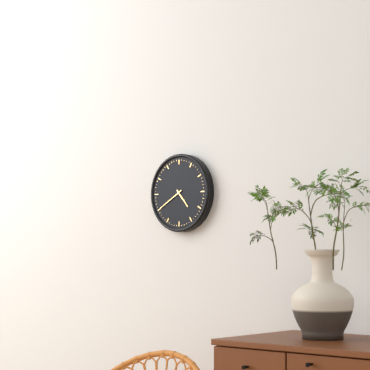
{"hour": 4, "minute": 40}
